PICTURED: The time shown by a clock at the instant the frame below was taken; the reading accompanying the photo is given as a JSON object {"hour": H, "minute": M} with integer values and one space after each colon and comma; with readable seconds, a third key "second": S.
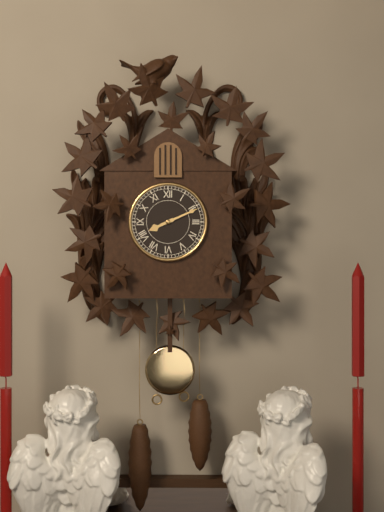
{"hour": 8, "minute": 11}
